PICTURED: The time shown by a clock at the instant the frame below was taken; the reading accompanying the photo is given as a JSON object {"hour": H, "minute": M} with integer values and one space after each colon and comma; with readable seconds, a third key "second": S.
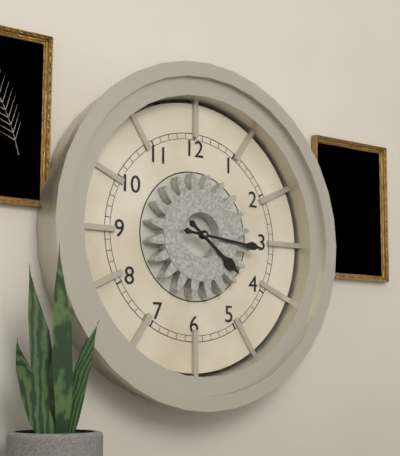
{"hour": 4, "minute": 16}
